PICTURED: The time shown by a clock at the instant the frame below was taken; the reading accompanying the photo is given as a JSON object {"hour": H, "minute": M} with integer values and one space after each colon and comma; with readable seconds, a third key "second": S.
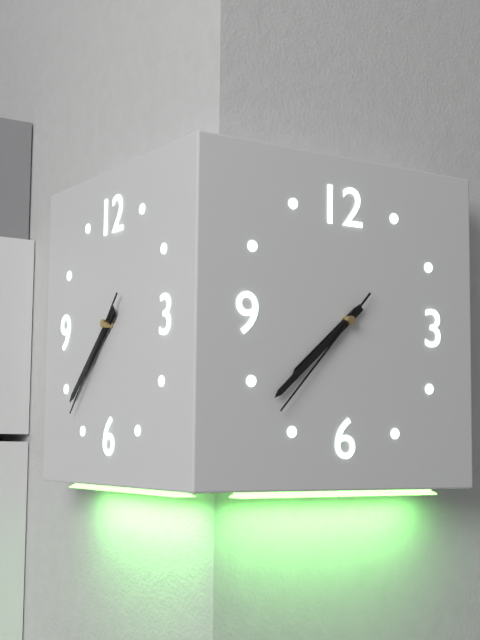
{"hour": 7, "minute": 38, "second": 37}
